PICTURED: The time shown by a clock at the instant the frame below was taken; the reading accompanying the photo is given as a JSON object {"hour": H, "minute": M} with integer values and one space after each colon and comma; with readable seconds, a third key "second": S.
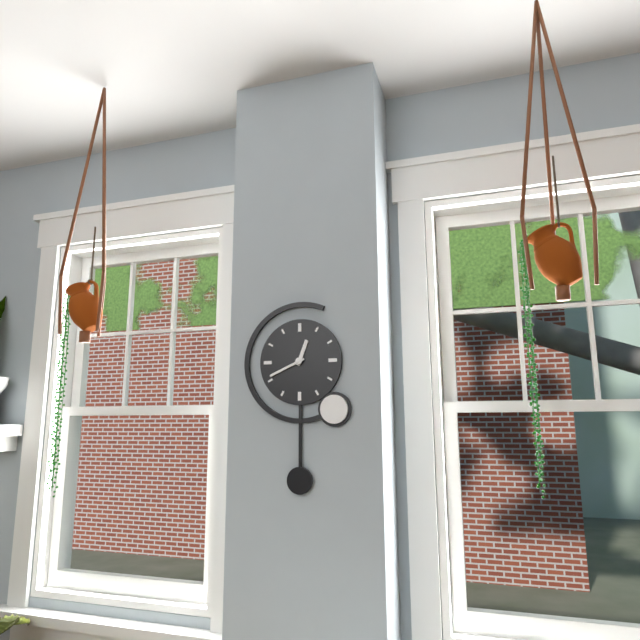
{"hour": 12, "minute": 41}
